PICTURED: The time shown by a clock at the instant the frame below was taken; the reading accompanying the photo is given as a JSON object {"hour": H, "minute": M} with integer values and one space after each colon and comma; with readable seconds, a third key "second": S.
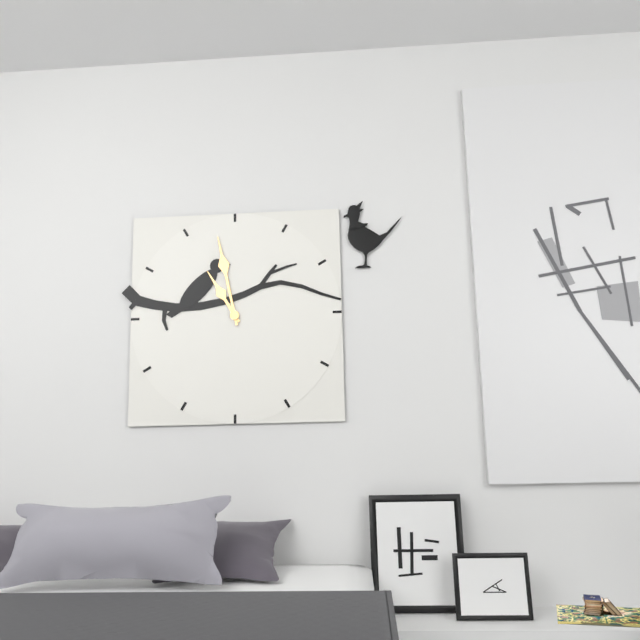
{"hour": 10, "minute": 58}
